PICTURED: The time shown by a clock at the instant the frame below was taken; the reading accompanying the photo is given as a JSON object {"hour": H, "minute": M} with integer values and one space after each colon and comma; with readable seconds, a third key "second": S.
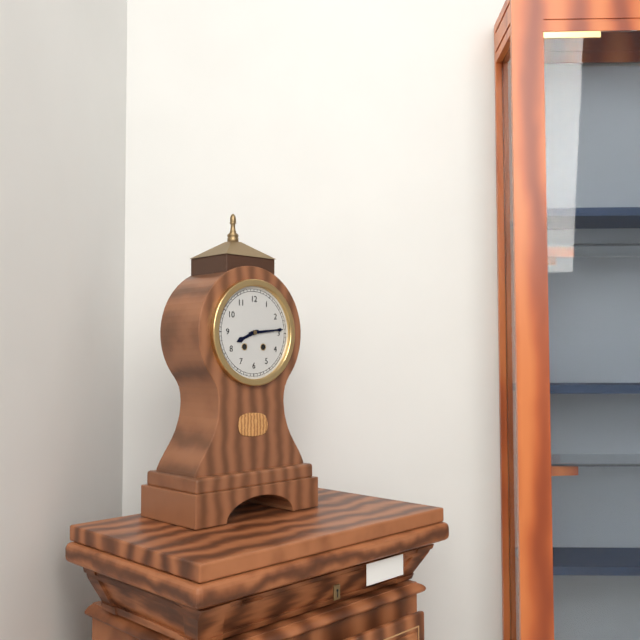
{"hour": 8, "minute": 14}
